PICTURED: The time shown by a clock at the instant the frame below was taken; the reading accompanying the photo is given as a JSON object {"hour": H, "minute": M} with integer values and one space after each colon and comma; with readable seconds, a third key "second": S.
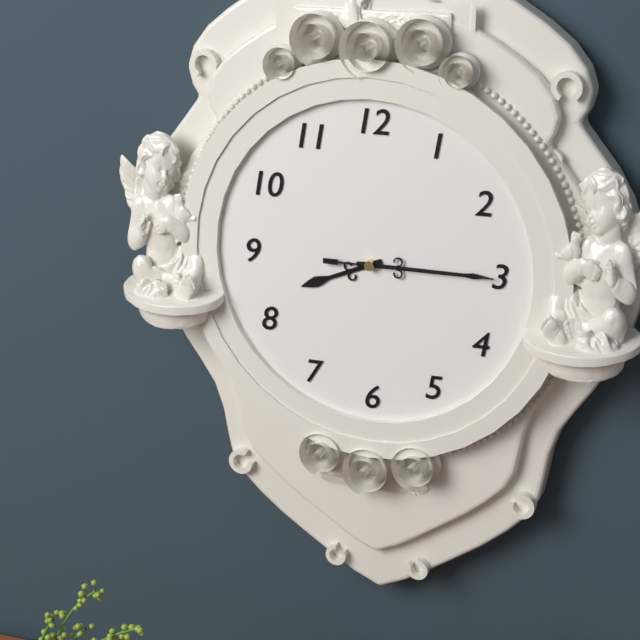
{"hour": 8, "minute": 15, "second": 15}
